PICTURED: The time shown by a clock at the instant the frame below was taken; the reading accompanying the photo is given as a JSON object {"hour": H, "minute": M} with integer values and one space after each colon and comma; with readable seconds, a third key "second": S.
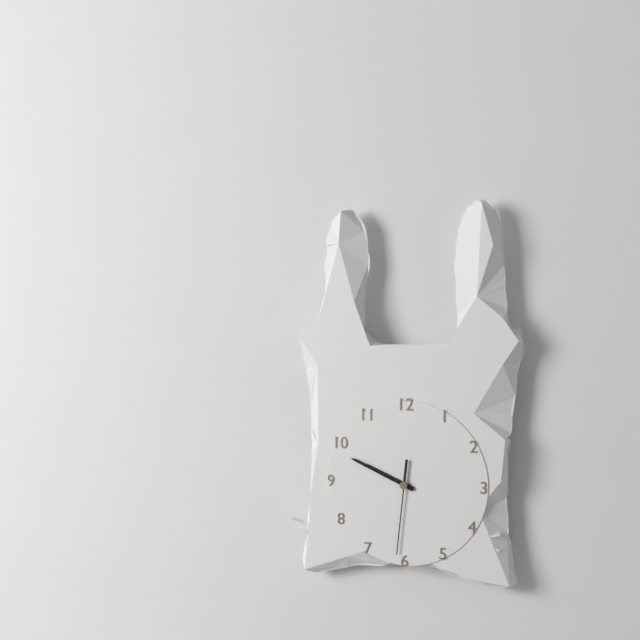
{"hour": 9, "minute": 49, "second": 31}
